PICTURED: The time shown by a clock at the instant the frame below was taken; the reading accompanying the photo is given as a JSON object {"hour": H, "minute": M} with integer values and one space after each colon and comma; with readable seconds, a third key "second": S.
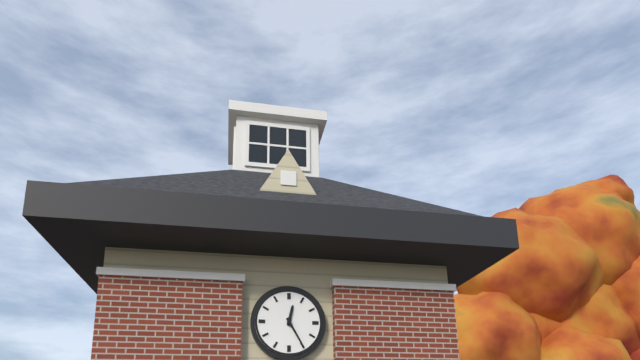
{"hour": 12, "minute": 25}
